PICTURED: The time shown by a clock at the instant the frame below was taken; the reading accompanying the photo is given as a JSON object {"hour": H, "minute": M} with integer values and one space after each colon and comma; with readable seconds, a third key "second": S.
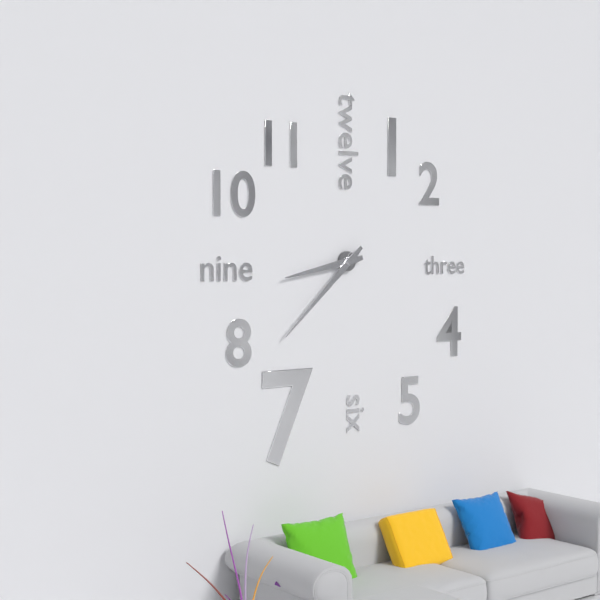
{"hour": 8, "minute": 38}
